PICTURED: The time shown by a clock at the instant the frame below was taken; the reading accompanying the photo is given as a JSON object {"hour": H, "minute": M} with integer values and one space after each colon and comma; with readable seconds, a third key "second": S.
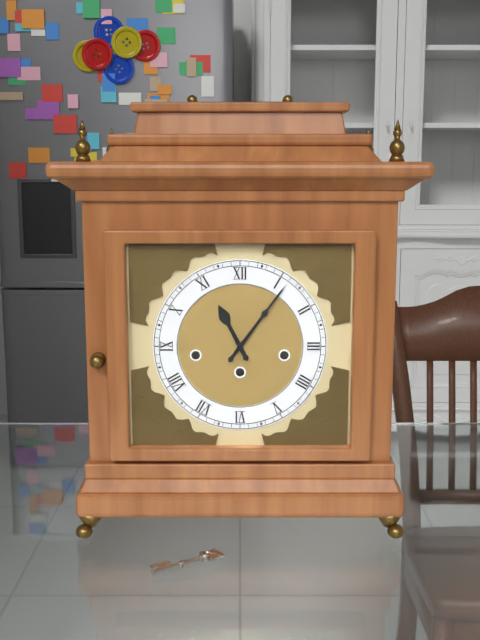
{"hour": 11, "minute": 6}
